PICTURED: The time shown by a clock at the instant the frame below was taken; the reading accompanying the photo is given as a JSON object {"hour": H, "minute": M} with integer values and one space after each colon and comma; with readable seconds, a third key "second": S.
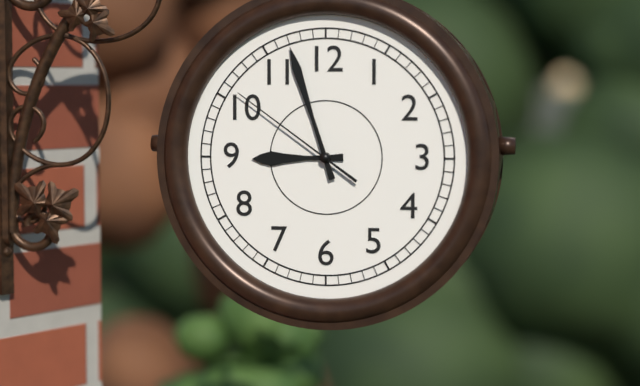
{"hour": 8, "minute": 57, "second": 51}
